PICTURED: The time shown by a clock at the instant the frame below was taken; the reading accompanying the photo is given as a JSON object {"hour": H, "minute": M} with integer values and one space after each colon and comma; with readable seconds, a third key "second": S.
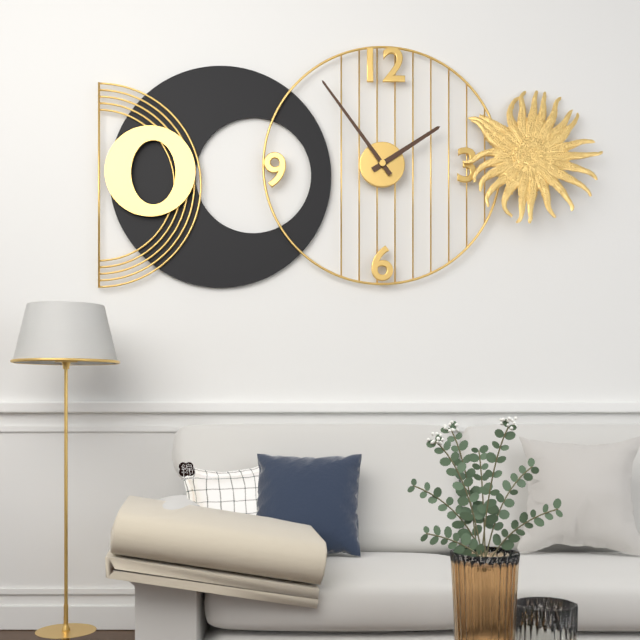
{"hour": 1, "minute": 54}
